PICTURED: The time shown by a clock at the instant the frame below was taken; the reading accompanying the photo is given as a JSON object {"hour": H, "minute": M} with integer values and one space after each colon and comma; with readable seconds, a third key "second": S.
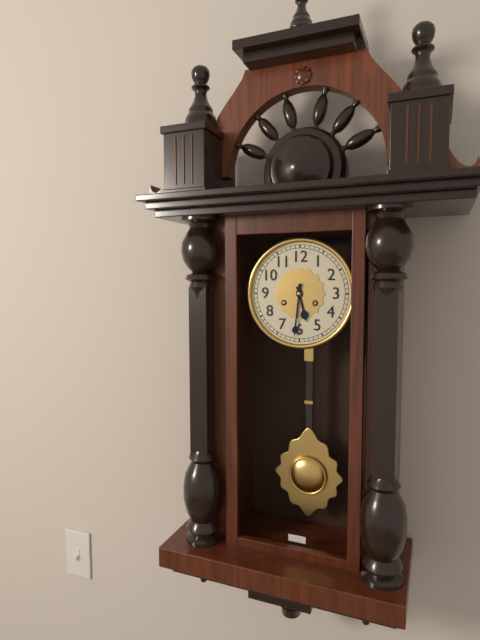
{"hour": 5, "minute": 31}
